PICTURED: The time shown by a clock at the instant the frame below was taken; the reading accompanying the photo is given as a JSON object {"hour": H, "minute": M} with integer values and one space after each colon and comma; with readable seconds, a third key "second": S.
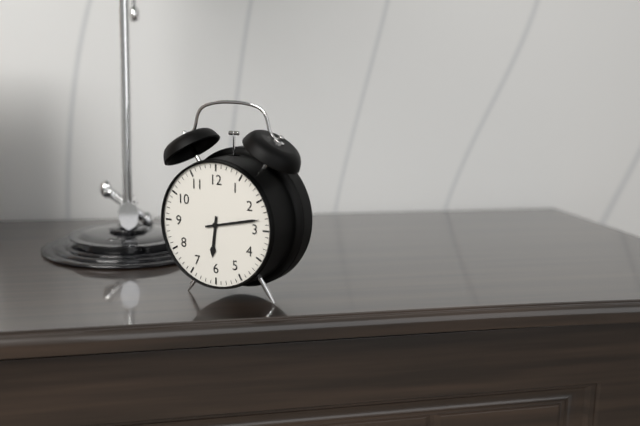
{"hour": 6, "minute": 13}
